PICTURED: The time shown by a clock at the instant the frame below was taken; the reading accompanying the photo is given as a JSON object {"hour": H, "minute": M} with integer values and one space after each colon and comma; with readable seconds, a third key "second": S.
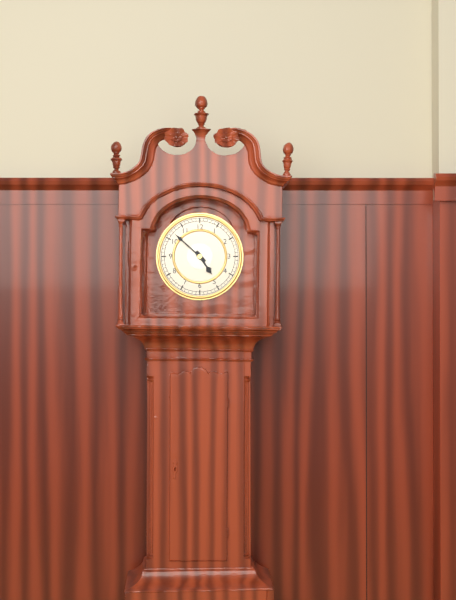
{"hour": 4, "minute": 52}
